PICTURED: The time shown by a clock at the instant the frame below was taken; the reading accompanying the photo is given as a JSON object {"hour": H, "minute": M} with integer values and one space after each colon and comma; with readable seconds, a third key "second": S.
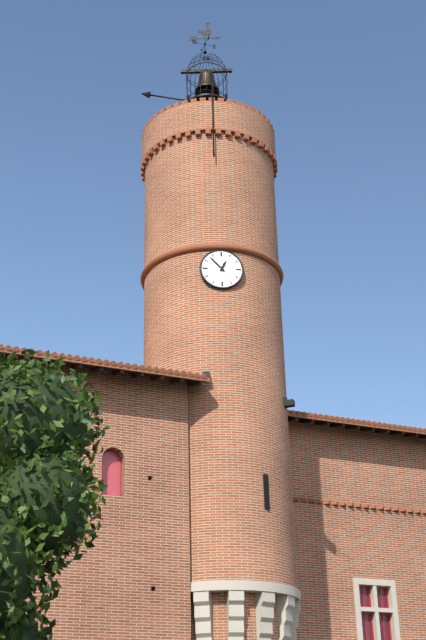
{"hour": 12, "minute": 53}
